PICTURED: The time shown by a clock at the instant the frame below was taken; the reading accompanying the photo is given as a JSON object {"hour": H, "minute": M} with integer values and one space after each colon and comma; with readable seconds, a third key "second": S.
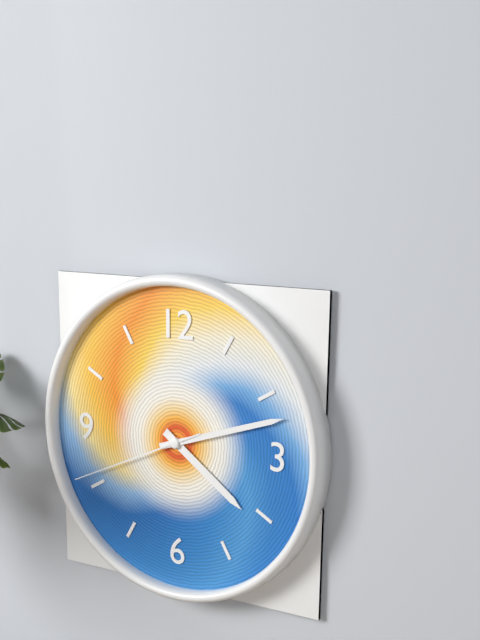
{"hour": 4, "minute": 12, "second": 41}
